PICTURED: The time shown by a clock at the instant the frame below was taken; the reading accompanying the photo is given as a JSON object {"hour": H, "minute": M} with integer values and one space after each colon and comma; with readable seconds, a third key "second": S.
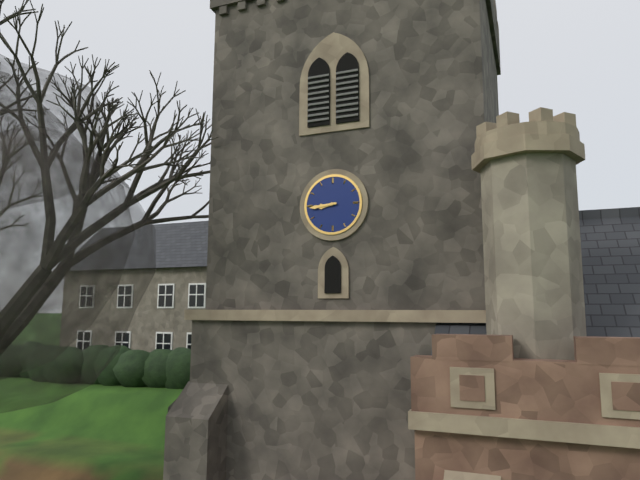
{"hour": 8, "minute": 44}
